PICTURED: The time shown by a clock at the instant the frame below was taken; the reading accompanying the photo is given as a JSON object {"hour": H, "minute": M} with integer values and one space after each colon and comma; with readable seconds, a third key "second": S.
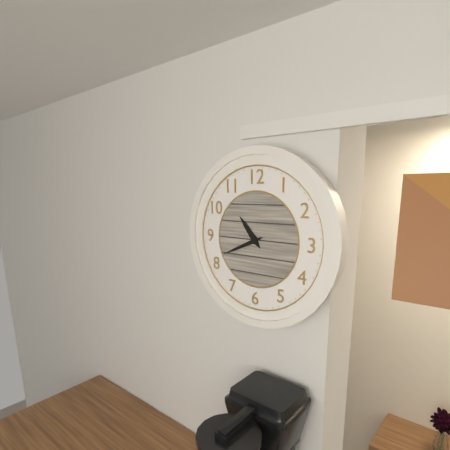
{"hour": 10, "minute": 41}
